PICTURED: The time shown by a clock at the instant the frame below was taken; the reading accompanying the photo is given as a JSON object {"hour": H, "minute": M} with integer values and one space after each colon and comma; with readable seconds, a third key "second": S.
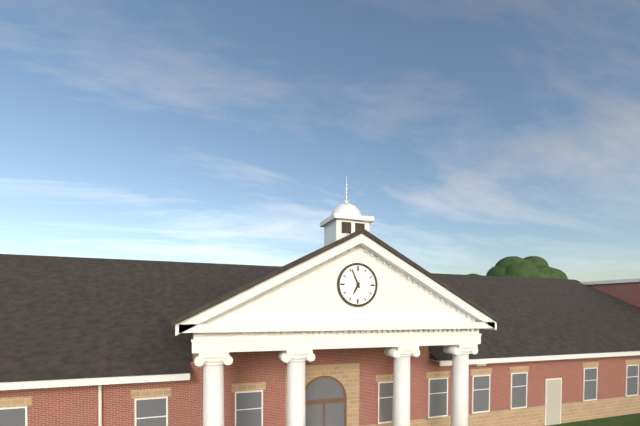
{"hour": 6, "minute": 56}
